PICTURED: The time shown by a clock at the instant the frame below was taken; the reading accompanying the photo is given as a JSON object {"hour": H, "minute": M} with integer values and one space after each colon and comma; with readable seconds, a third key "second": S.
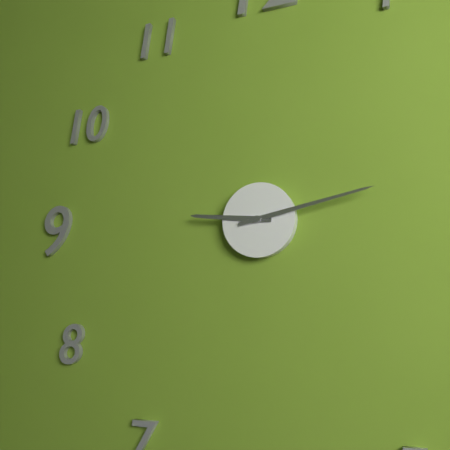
{"hour": 9, "minute": 13}
